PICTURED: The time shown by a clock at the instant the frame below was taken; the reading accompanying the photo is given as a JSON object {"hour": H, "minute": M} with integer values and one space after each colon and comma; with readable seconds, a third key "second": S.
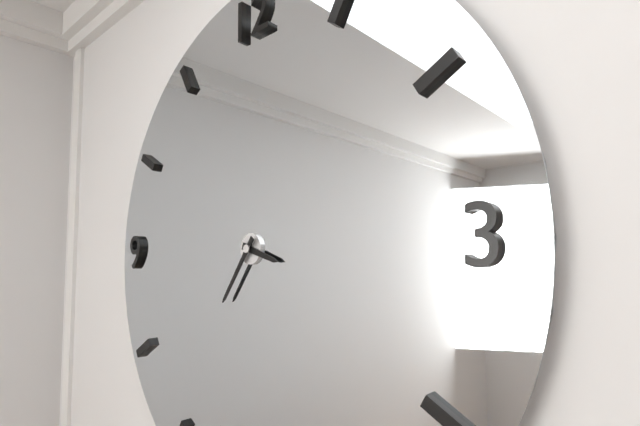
{"hour": 3, "minute": 36}
